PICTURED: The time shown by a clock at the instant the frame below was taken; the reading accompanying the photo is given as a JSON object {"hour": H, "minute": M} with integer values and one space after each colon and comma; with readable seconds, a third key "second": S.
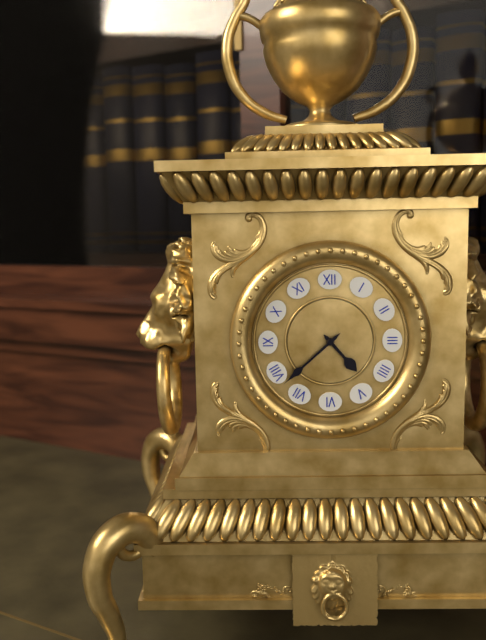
{"hour": 4, "minute": 38}
